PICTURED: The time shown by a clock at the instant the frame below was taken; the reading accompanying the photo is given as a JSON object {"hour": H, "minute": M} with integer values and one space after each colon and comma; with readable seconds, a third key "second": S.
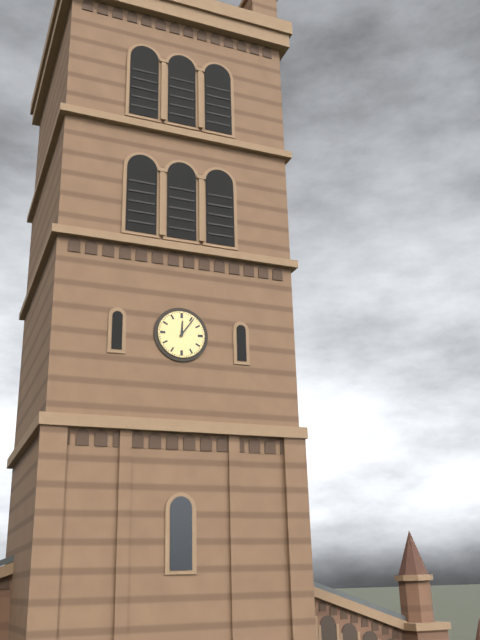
{"hour": 12, "minute": 6}
